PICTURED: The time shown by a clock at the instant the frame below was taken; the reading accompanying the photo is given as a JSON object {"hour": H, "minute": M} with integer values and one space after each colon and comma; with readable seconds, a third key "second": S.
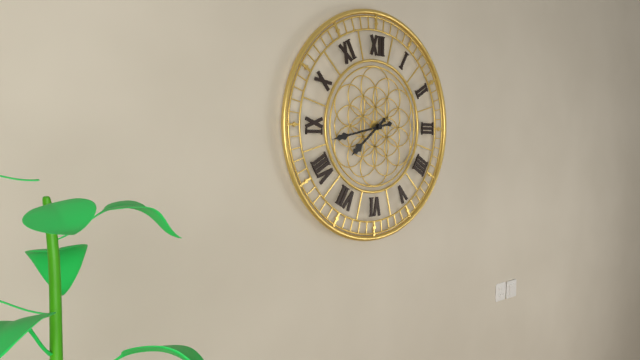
{"hour": 7, "minute": 43}
